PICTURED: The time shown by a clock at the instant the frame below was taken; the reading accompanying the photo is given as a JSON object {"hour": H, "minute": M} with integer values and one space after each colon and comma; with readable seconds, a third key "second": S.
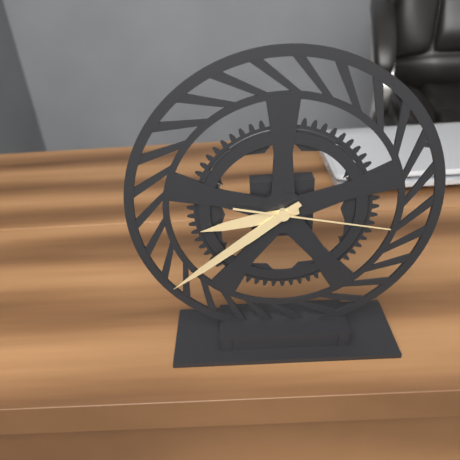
{"hour": 8, "minute": 39, "second": 17}
